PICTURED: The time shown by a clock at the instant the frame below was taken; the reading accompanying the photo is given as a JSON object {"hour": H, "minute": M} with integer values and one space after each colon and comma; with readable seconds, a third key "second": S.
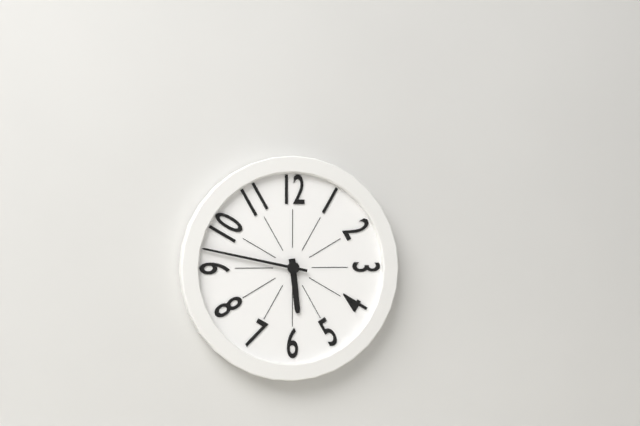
{"hour": 5, "minute": 47}
